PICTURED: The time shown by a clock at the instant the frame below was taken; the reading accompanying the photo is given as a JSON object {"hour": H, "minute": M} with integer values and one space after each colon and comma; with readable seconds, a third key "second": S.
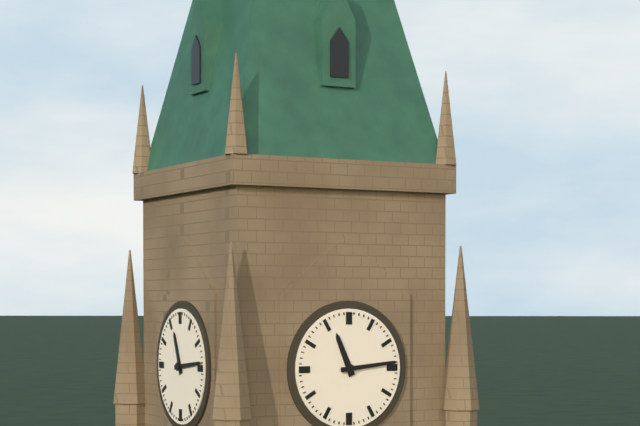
{"hour": 11, "minute": 14}
